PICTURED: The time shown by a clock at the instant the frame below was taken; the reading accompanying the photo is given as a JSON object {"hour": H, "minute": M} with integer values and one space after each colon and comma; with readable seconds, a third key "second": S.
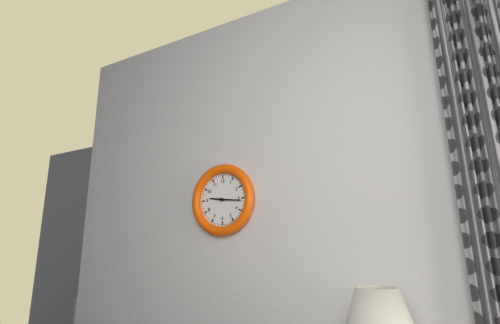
{"hour": 9, "minute": 16}
